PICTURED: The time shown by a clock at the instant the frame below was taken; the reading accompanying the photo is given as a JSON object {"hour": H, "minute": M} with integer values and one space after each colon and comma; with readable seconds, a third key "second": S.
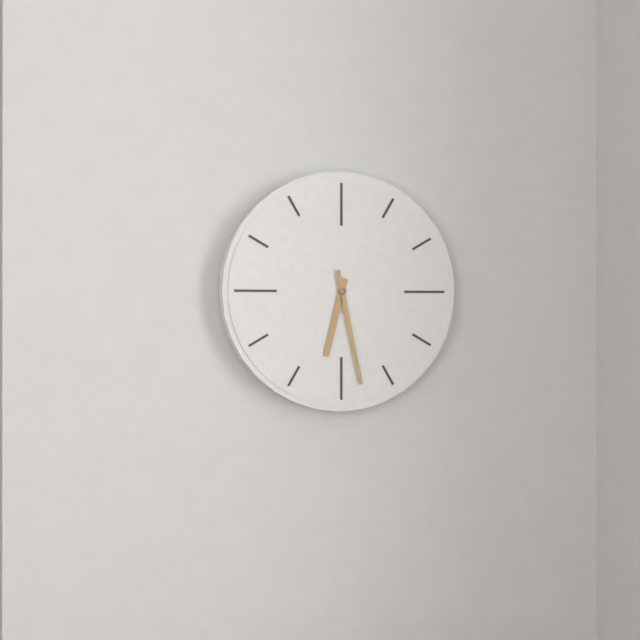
{"hour": 6, "minute": 28}
